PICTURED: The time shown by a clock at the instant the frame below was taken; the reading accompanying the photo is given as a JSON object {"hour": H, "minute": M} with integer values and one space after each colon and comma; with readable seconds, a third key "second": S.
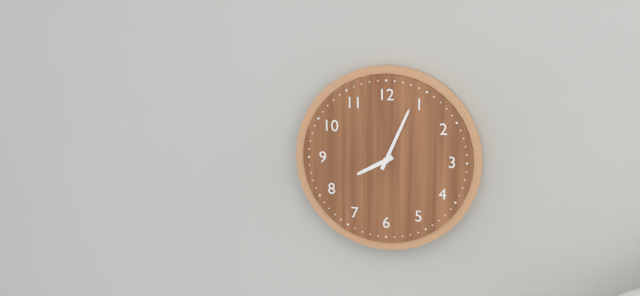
{"hour": 8, "minute": 4}
